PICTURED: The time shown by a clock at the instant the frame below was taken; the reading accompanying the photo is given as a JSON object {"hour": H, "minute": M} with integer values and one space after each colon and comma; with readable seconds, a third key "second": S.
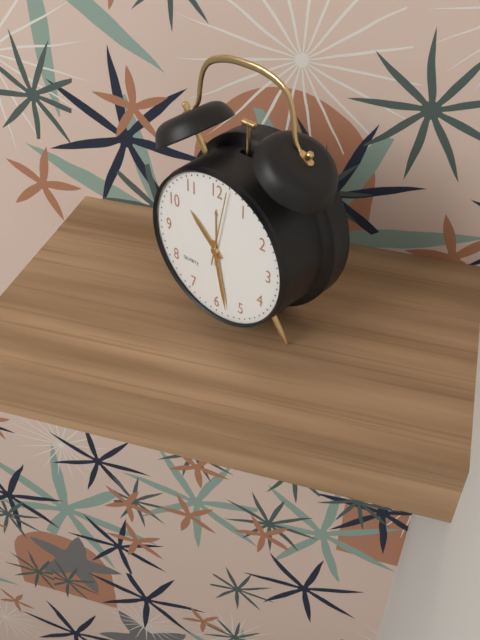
{"hour": 10, "minute": 28, "second": 2}
